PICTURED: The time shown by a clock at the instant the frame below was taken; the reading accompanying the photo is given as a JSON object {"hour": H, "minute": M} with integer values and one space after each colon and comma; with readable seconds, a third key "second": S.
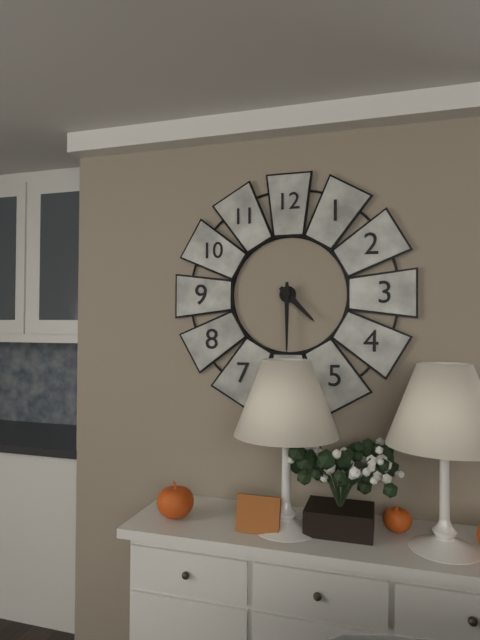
{"hour": 4, "minute": 30}
